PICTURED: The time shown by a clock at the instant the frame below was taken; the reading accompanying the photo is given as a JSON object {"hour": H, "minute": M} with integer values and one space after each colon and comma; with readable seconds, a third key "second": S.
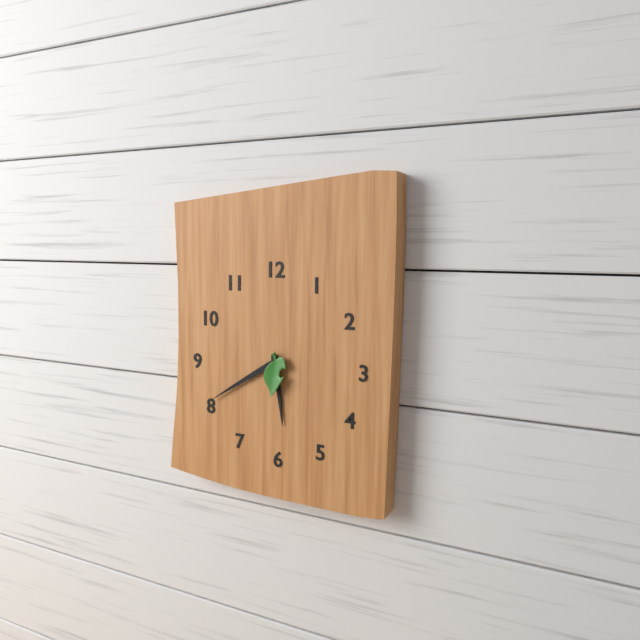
{"hour": 5, "minute": 40}
